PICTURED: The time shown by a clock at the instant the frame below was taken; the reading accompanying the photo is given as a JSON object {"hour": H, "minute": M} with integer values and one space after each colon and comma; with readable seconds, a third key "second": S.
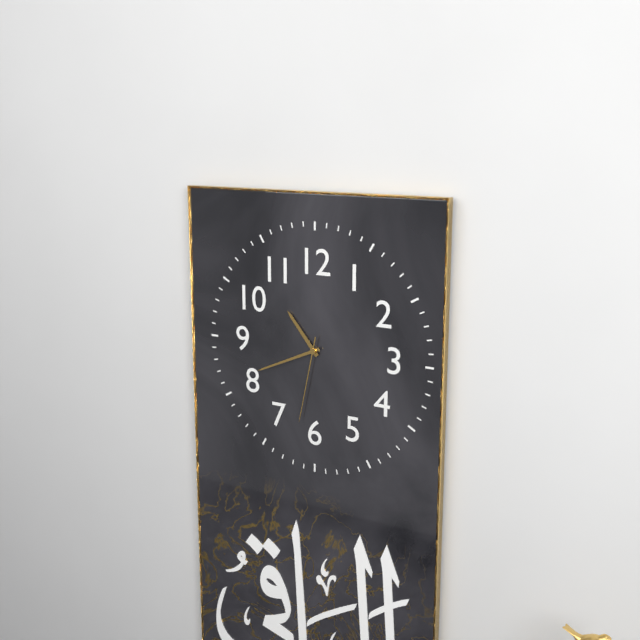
{"hour": 10, "minute": 41, "second": 32}
